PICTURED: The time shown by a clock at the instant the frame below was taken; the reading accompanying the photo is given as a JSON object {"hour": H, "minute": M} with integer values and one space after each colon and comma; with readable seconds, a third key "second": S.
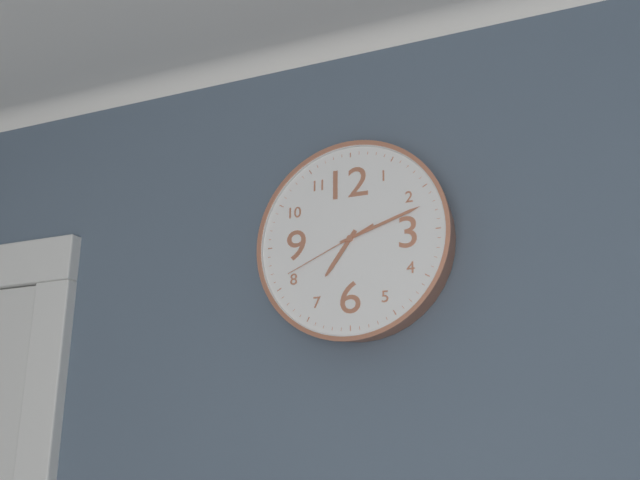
{"hour": 7, "minute": 12, "second": 41}
